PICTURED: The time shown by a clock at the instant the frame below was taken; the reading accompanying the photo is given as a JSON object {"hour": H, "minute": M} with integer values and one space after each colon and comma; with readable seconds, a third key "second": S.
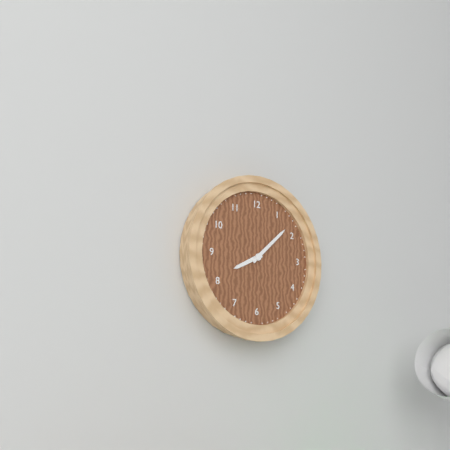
{"hour": 8, "minute": 8}
